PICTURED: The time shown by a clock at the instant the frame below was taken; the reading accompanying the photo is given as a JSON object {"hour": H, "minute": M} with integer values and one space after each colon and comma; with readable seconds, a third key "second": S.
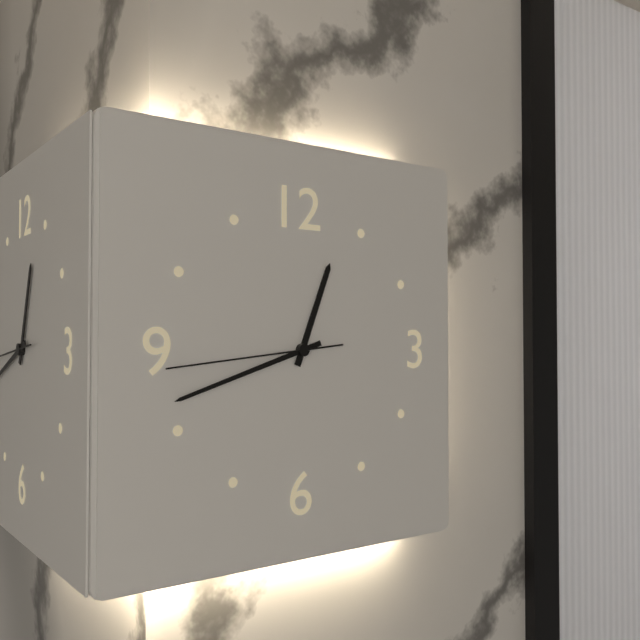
{"hour": 12, "minute": 42, "second": 44}
